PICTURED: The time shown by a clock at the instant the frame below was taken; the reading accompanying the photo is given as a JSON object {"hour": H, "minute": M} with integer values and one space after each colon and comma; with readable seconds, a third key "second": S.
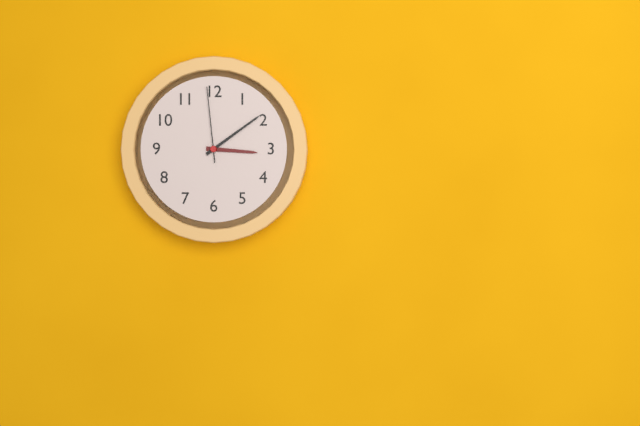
{"hour": 3, "minute": 9, "second": 59}
